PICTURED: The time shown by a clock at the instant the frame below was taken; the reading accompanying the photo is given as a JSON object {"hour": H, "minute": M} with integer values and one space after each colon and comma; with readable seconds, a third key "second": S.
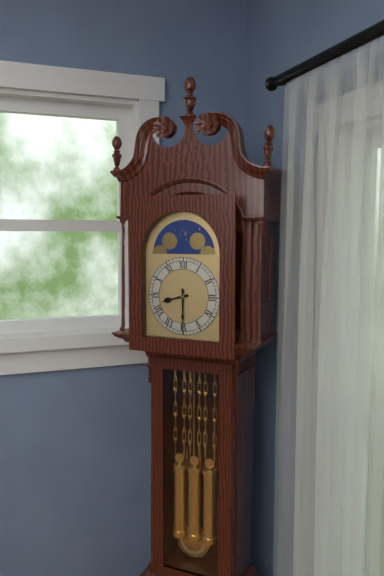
{"hour": 8, "minute": 30}
